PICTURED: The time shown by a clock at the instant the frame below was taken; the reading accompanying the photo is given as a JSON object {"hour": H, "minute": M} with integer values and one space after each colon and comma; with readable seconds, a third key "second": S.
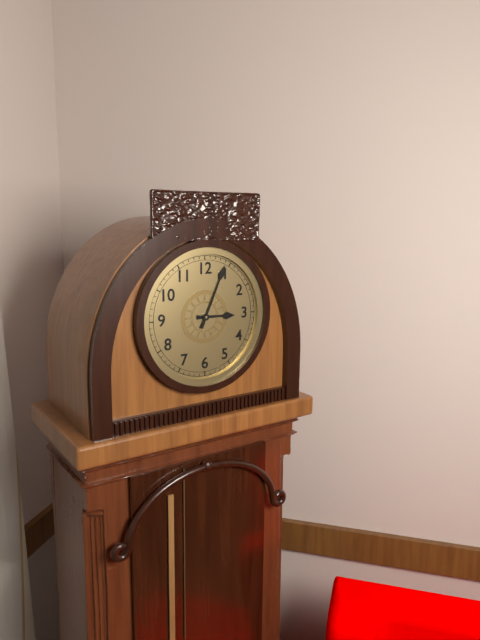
{"hour": 3, "minute": 4}
